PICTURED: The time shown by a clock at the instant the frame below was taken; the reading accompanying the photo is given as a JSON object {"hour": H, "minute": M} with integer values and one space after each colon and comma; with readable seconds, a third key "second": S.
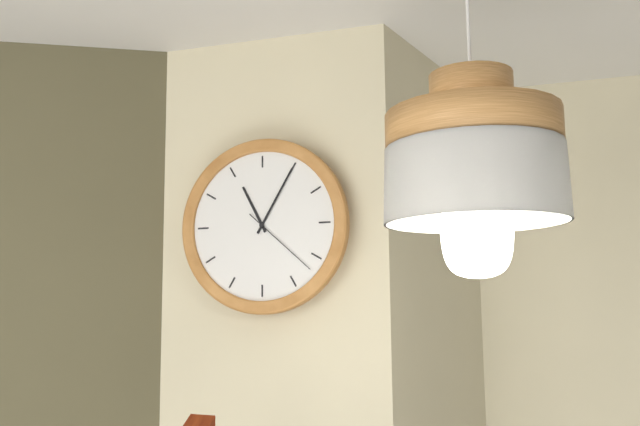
{"hour": 11, "minute": 5, "second": 22}
